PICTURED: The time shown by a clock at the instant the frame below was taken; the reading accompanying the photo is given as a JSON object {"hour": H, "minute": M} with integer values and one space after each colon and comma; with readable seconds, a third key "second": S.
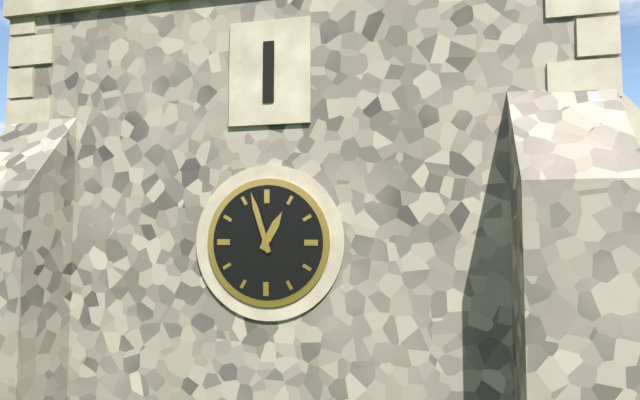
{"hour": 12, "minute": 57}
